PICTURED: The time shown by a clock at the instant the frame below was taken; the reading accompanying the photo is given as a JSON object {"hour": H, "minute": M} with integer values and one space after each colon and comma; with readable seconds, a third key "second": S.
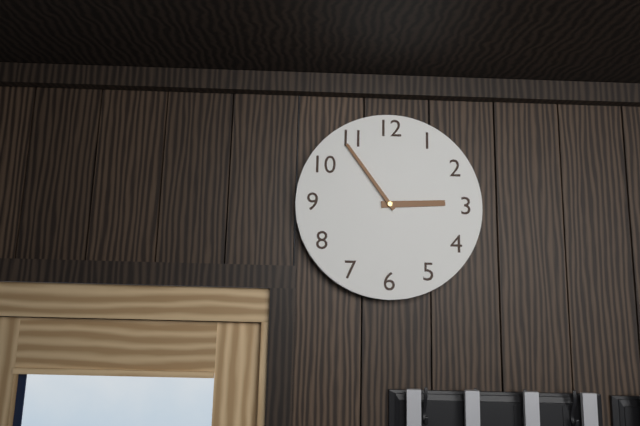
{"hour": 2, "minute": 54}
